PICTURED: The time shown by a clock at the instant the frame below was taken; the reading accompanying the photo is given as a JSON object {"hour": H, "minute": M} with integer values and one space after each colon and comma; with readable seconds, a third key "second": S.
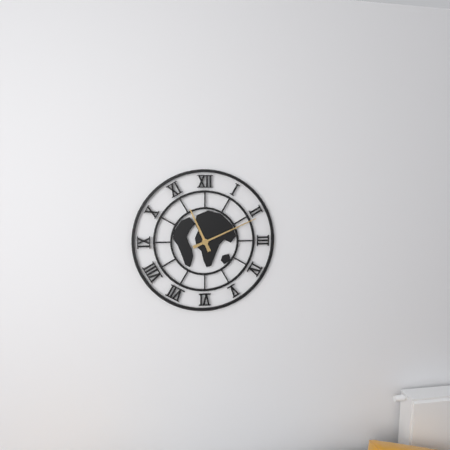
{"hour": 11, "minute": 11}
